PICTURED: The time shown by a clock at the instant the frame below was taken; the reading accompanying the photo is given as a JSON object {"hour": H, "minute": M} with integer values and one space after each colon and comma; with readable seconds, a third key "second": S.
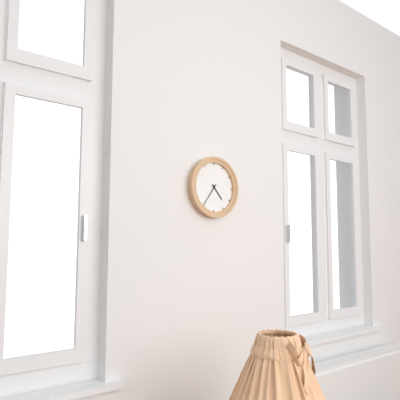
{"hour": 4, "minute": 36}
